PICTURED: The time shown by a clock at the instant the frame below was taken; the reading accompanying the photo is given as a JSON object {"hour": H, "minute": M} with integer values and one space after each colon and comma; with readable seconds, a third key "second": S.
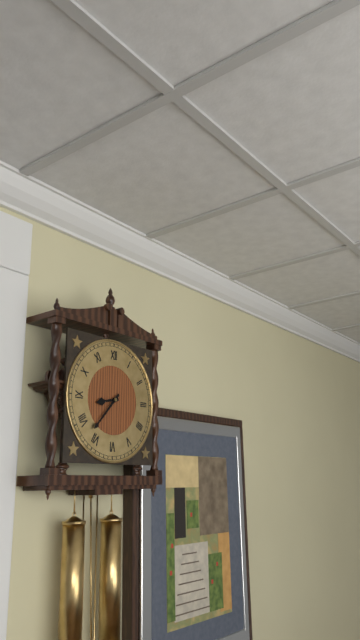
{"hour": 8, "minute": 37}
